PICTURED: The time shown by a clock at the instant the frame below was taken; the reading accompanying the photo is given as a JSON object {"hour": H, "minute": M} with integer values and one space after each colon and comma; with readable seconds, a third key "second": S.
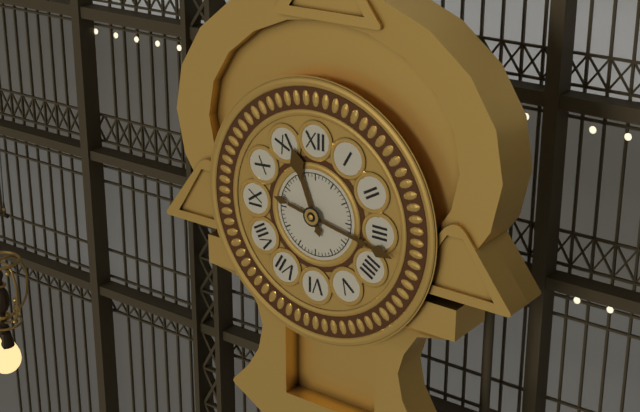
{"hour": 11, "minute": 17}
